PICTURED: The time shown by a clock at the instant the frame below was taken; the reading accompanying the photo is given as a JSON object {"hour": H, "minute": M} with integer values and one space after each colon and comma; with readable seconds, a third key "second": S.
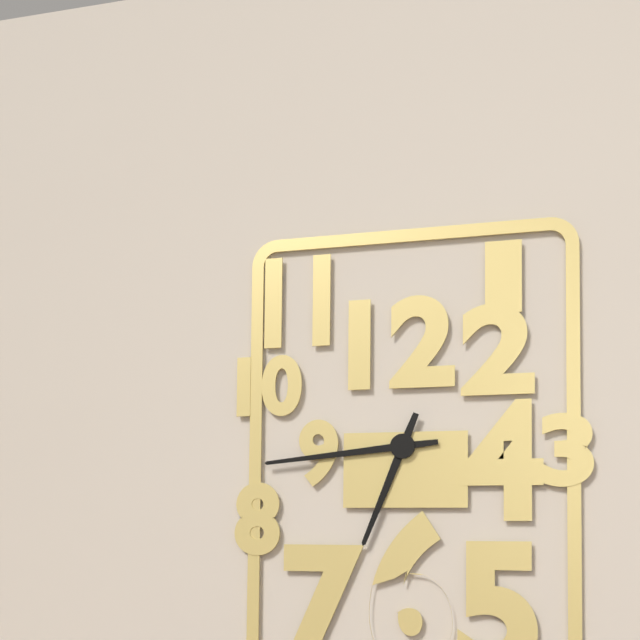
{"hour": 6, "minute": 44}
